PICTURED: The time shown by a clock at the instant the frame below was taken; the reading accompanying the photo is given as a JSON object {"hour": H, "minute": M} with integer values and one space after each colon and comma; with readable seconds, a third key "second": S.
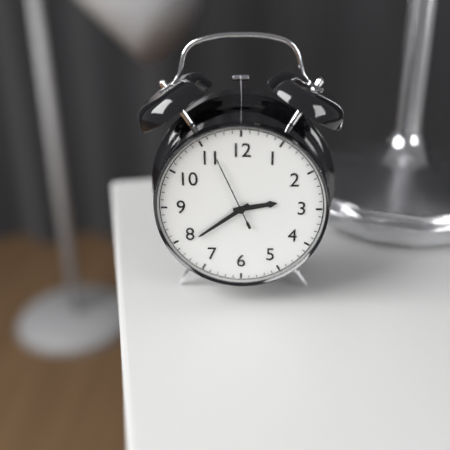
{"hour": 2, "minute": 39, "second": 56}
